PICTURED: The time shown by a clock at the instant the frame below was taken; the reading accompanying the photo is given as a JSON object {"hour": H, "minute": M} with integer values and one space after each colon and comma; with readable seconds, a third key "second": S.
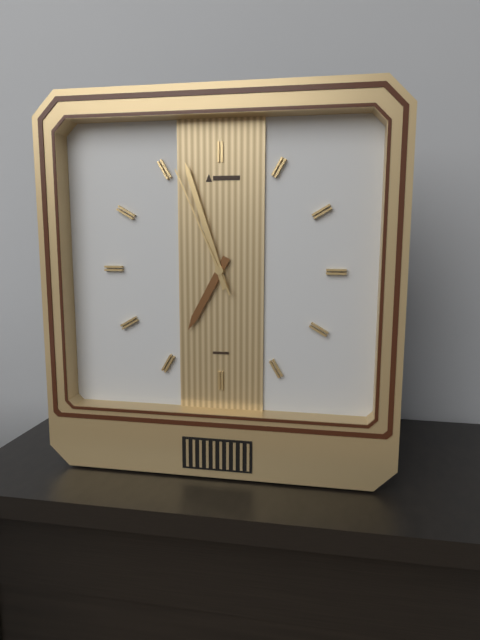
{"hour": 6, "minute": 57, "second": 56}
